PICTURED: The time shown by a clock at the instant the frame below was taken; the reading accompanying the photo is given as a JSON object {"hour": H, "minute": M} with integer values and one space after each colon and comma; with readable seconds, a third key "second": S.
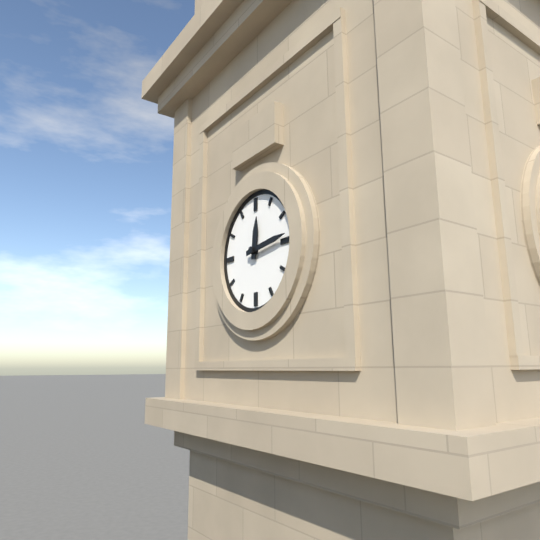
{"hour": 12, "minute": 14}
